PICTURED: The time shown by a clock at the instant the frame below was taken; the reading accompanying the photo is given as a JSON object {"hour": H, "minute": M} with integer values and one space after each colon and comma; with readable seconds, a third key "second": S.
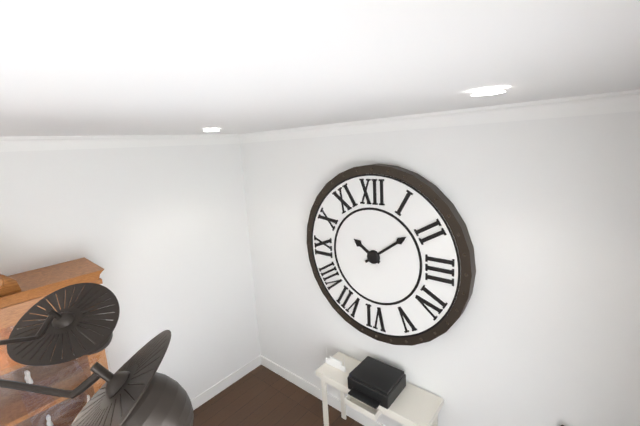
{"hour": 10, "minute": 9}
